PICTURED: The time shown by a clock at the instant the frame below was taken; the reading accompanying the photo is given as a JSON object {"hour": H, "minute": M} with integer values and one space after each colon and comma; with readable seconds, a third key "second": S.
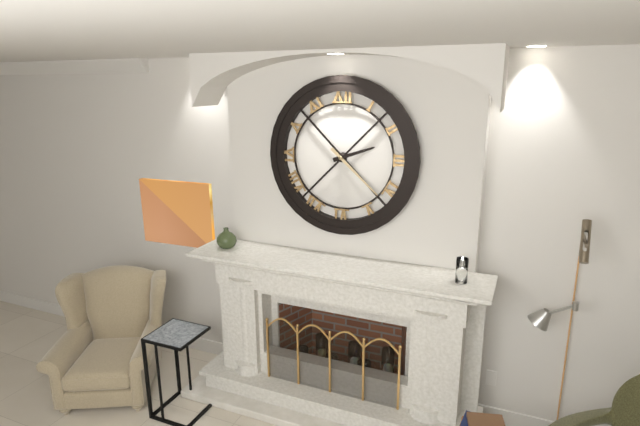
{"hour": 2, "minute": 22}
